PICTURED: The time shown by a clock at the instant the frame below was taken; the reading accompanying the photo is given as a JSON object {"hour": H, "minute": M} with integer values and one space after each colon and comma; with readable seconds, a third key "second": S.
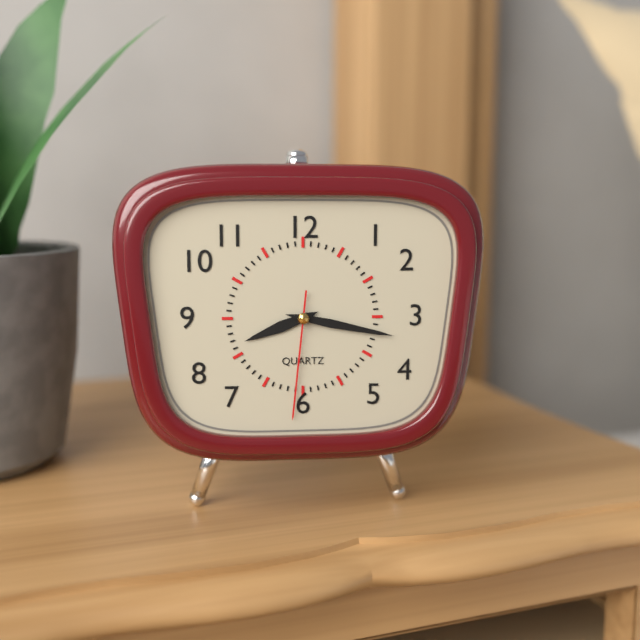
{"hour": 8, "minute": 17, "second": 31}
